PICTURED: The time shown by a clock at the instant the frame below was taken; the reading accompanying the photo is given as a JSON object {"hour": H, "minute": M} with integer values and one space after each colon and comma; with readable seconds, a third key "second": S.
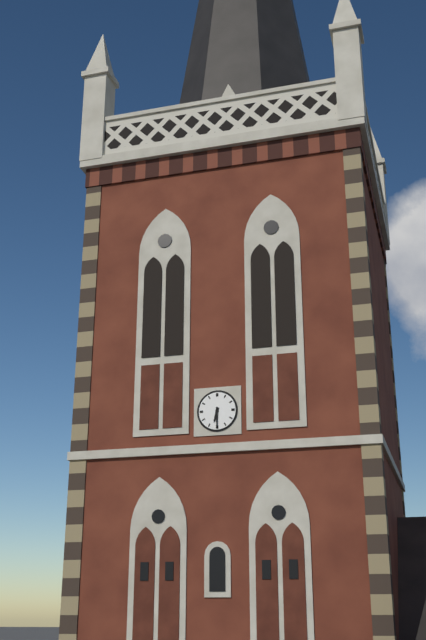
{"hour": 6, "minute": 30}
